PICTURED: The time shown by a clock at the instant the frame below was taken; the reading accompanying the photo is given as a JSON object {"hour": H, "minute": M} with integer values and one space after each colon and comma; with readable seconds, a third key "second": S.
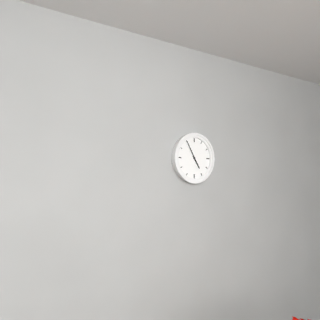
{"hour": 4, "minute": 55}
